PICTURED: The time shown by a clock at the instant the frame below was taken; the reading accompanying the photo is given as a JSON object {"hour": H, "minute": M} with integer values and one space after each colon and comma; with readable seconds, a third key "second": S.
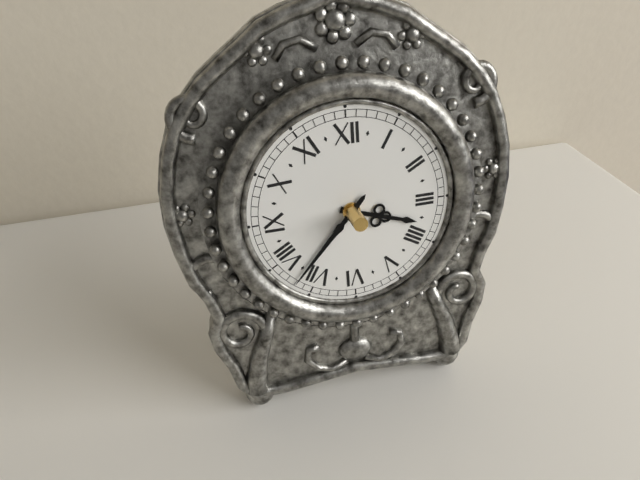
{"hour": 3, "minute": 37}
